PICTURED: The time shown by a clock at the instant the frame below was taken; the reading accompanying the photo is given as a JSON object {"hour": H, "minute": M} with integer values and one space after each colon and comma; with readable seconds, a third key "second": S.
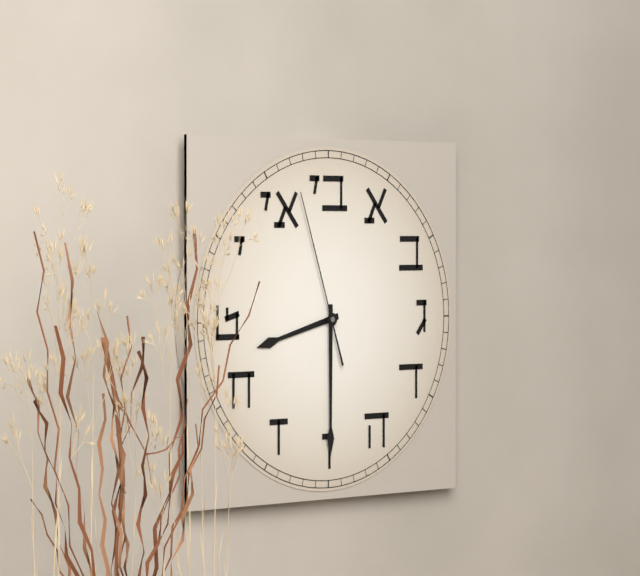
{"hour": 8, "minute": 30, "second": 57}
